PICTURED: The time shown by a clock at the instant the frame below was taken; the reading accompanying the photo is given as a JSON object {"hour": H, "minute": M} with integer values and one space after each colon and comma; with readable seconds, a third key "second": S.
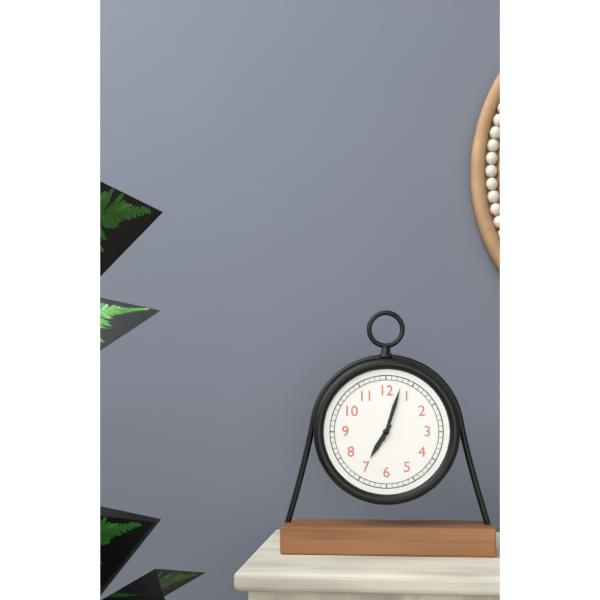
{"hour": 7, "minute": 3}
